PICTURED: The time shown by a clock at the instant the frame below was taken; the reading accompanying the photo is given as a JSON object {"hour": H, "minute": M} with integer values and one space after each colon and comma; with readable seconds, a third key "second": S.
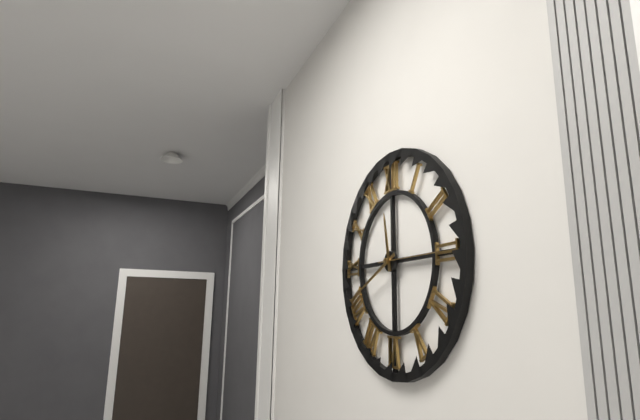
{"hour": 11, "minute": 41, "second": 15}
